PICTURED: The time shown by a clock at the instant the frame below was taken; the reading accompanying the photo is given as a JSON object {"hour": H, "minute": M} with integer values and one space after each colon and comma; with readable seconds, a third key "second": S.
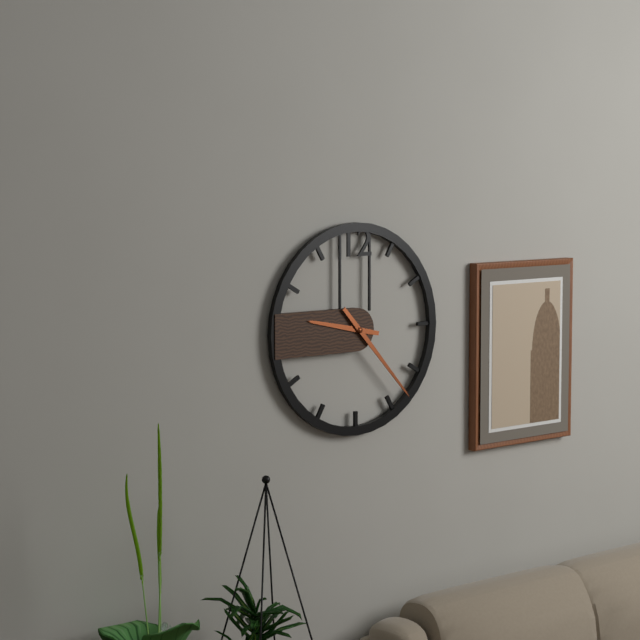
{"hour": 9, "minute": 23}
